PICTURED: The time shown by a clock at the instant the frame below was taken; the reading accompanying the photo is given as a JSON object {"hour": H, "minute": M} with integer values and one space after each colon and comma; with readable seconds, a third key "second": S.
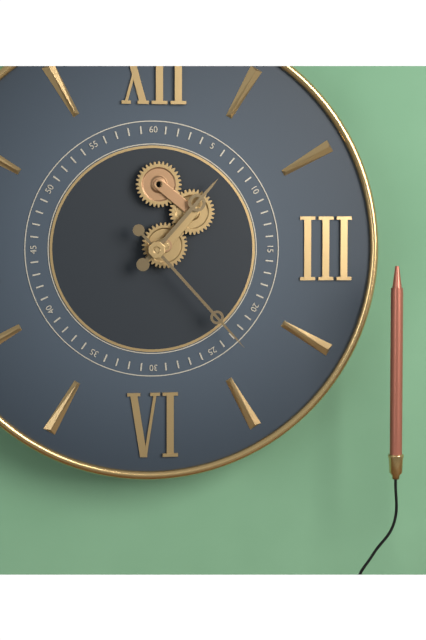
{"hour": 1, "minute": 23}
